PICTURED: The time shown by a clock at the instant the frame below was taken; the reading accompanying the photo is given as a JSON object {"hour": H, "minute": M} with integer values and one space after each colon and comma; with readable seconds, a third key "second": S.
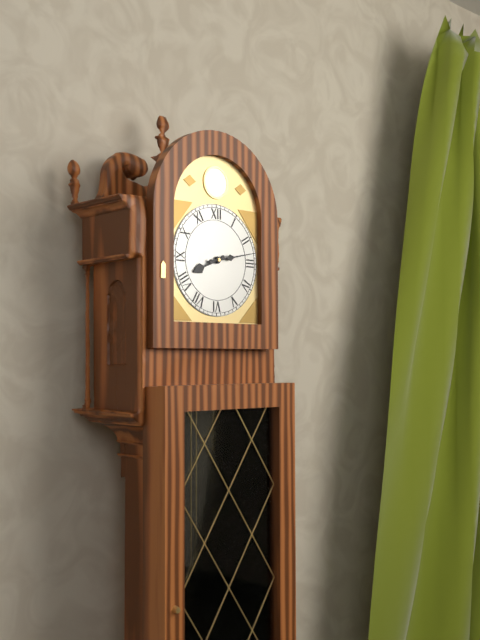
{"hour": 8, "minute": 13}
